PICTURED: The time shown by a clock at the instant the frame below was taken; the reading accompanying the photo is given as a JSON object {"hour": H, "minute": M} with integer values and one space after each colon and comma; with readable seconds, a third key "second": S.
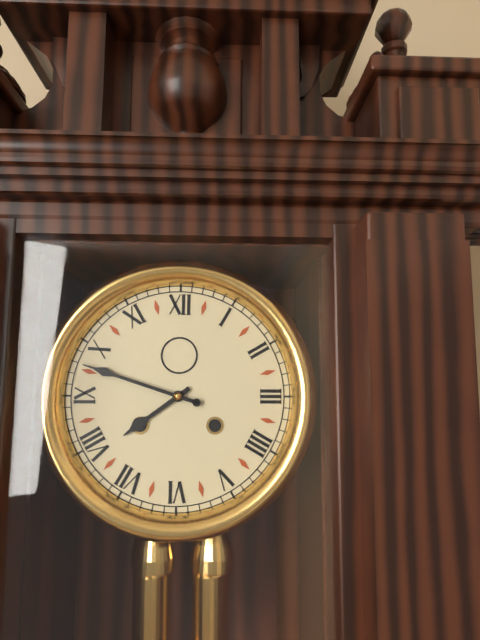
{"hour": 7, "minute": 48}
